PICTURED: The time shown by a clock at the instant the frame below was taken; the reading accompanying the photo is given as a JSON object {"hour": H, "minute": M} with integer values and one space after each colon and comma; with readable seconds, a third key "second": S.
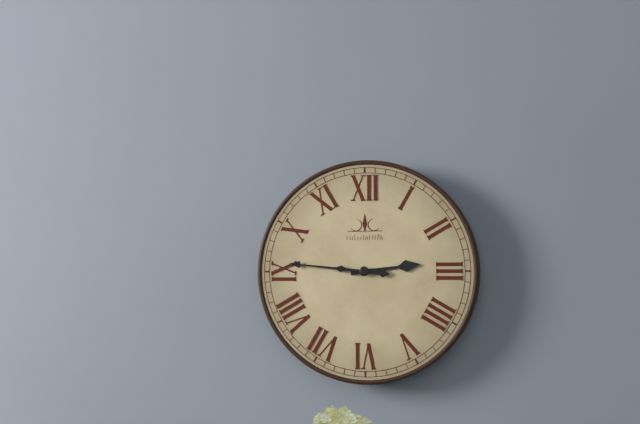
{"hour": 2, "minute": 46}
